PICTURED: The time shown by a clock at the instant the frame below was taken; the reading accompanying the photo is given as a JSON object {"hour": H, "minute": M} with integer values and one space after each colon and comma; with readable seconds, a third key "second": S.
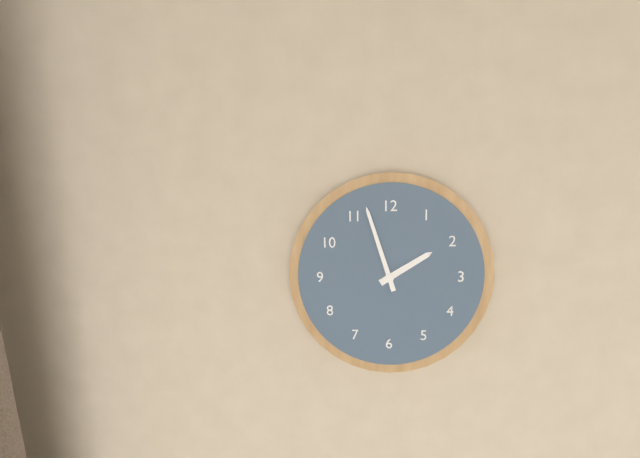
{"hour": 1, "minute": 57}
